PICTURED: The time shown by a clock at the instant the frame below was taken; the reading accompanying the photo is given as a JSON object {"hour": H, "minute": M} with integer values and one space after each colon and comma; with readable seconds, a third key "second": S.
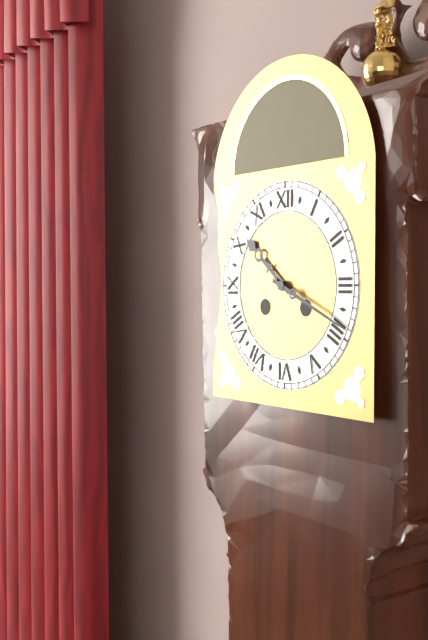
{"hour": 10, "minute": 19}
